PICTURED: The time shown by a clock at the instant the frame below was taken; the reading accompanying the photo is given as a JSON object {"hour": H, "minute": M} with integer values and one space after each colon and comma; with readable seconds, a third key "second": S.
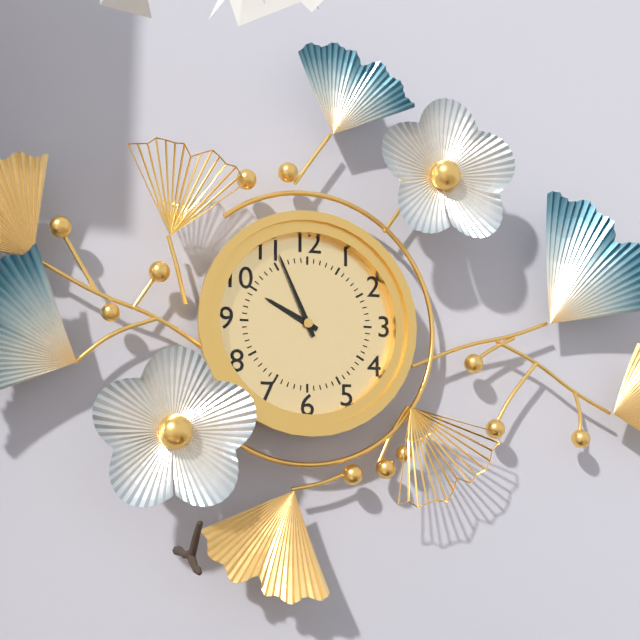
{"hour": 9, "minute": 56}
